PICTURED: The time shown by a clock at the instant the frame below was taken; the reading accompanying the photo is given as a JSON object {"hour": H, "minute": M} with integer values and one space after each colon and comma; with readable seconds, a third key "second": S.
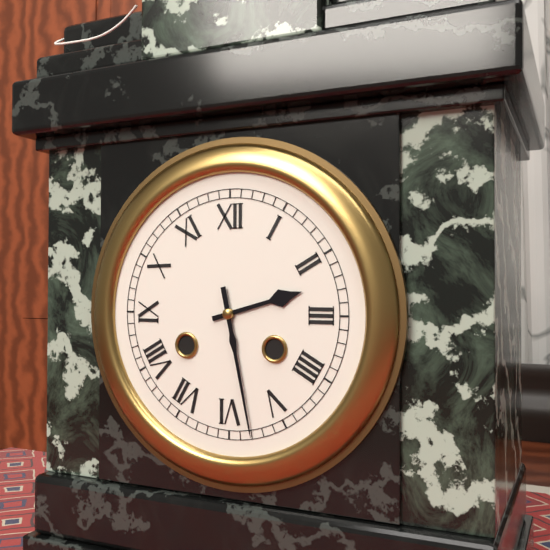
{"hour": 2, "minute": 28}
